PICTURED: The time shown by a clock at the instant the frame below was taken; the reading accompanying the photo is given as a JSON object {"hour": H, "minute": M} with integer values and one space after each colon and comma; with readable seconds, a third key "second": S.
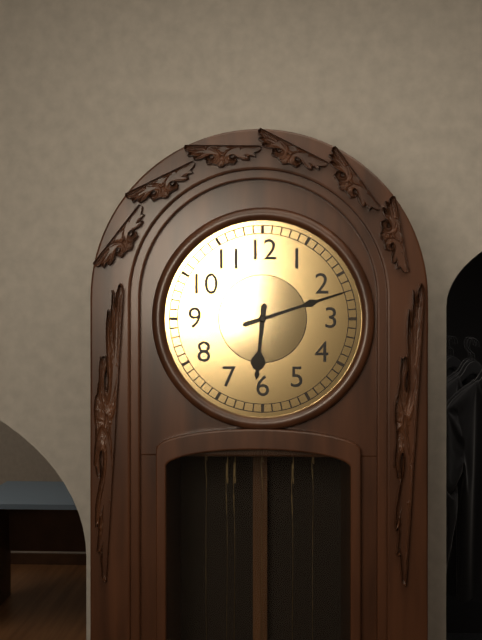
{"hour": 6, "minute": 12}
